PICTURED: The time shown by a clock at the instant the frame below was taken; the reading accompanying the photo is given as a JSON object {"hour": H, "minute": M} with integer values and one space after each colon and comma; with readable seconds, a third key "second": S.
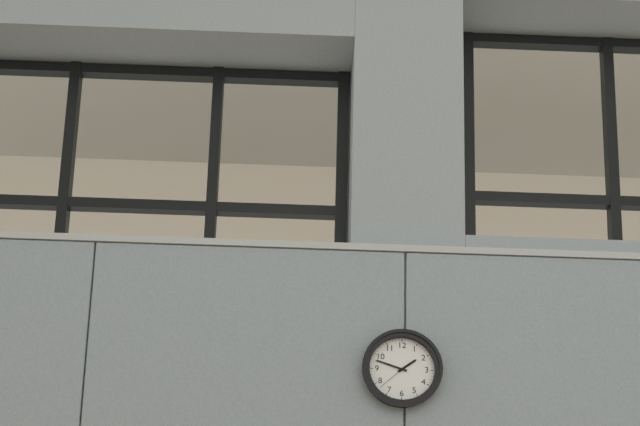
{"hour": 1, "minute": 48}
